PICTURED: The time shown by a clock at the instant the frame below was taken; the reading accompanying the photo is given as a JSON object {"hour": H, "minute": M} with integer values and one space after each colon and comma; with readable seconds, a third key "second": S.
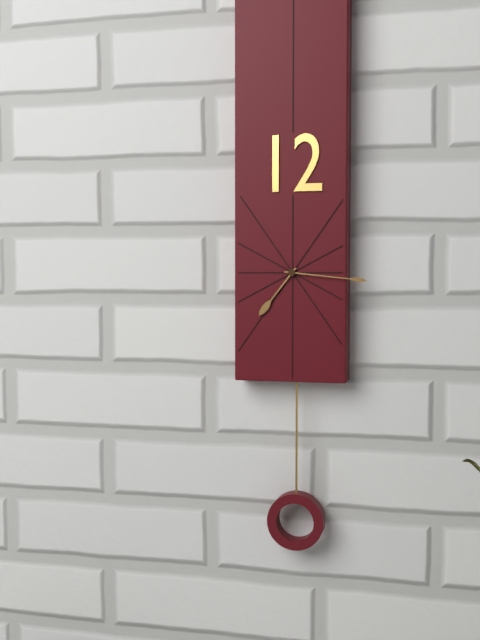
{"hour": 7, "minute": 16}
